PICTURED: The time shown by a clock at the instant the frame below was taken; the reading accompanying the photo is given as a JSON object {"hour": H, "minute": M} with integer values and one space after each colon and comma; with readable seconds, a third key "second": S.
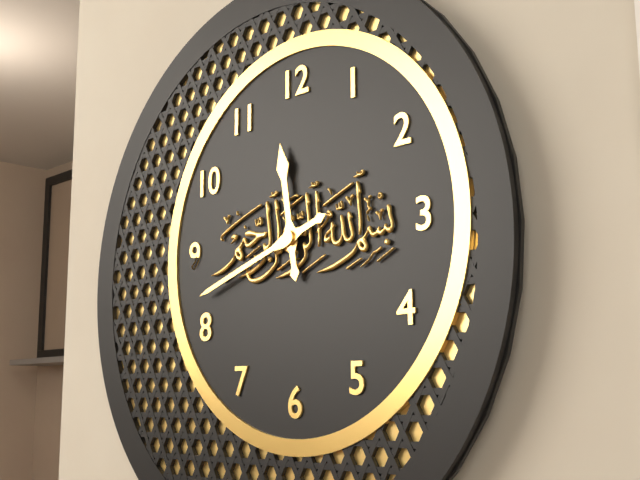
{"hour": 11, "minute": 42}
